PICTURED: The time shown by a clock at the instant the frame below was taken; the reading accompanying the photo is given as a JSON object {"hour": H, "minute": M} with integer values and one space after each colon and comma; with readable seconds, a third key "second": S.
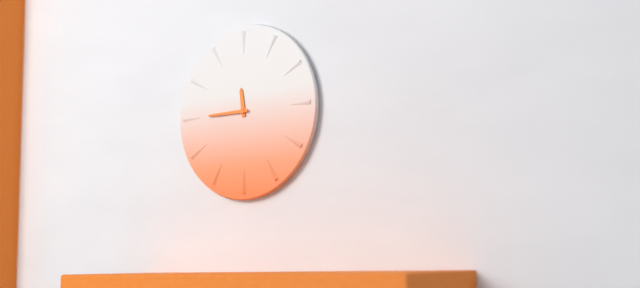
{"hour": 11, "minute": 45}
